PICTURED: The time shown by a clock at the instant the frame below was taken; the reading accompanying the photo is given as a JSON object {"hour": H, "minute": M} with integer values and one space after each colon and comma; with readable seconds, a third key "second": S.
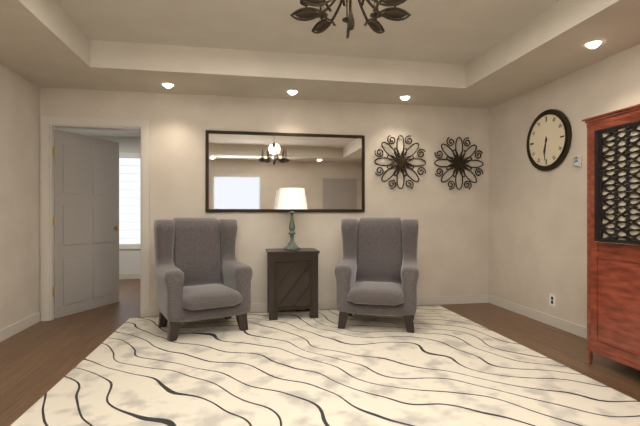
{"hour": 6, "minute": 31}
